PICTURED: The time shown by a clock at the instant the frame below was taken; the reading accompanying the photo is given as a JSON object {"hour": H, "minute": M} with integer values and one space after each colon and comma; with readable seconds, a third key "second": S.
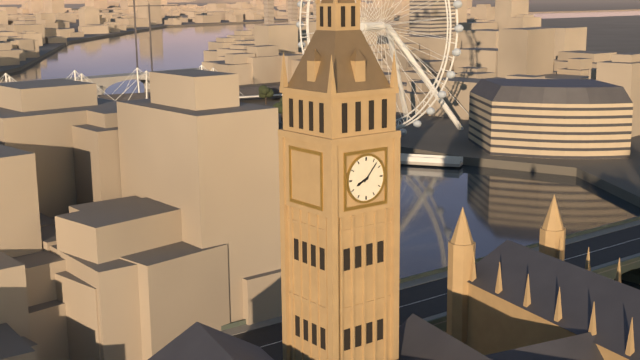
{"hour": 8, "minute": 7}
